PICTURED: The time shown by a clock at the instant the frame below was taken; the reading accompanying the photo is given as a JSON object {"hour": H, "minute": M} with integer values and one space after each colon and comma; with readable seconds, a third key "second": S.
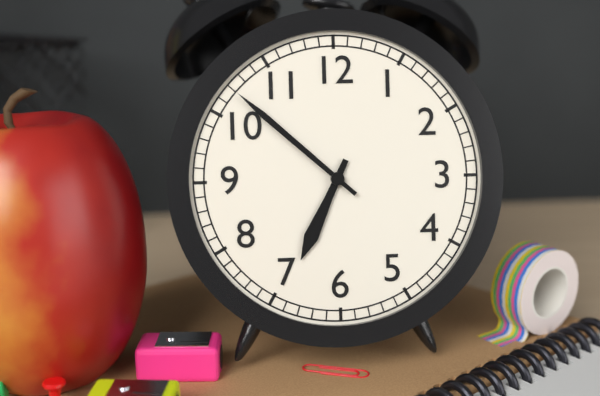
{"hour": 6, "minute": 52}
